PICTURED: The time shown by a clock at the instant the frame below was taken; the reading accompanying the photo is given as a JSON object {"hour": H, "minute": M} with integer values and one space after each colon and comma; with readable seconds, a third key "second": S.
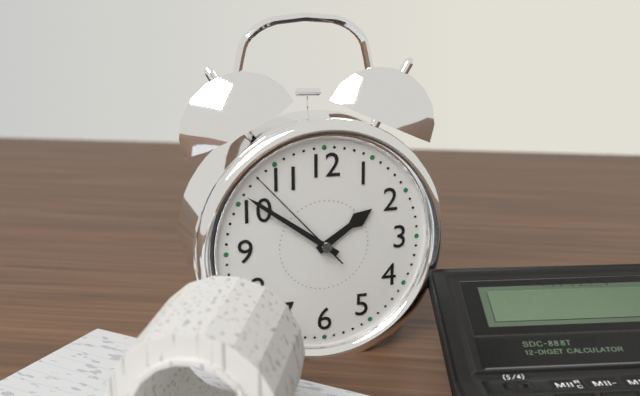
{"hour": 1, "minute": 51, "second": 53}
